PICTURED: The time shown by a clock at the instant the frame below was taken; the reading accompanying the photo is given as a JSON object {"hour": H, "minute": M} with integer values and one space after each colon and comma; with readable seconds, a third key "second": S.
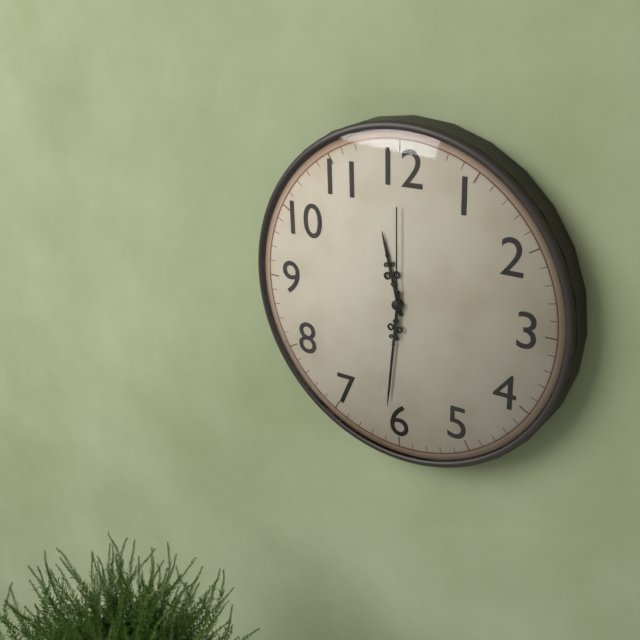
{"hour": 11, "minute": 31, "second": 0}
